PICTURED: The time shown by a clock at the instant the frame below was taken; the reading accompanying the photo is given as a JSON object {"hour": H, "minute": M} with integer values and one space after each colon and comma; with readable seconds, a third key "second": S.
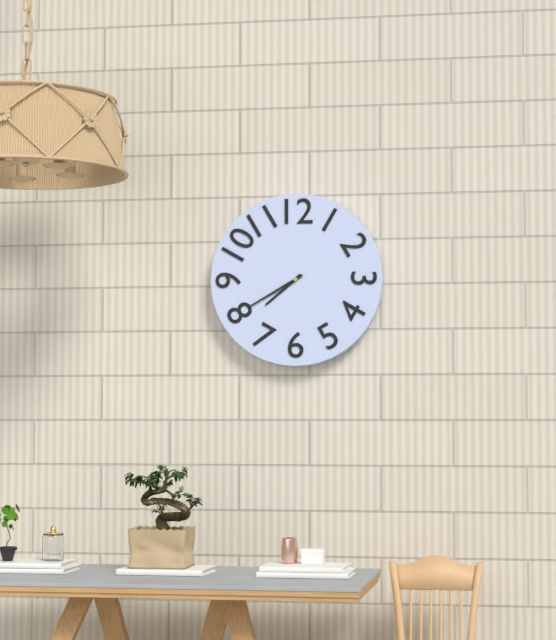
{"hour": 7, "minute": 40}
